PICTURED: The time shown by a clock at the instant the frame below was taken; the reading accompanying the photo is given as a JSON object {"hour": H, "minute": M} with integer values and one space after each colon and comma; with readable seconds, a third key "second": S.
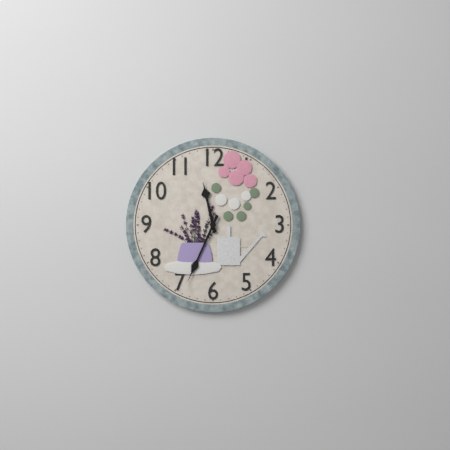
{"hour": 11, "minute": 34}
